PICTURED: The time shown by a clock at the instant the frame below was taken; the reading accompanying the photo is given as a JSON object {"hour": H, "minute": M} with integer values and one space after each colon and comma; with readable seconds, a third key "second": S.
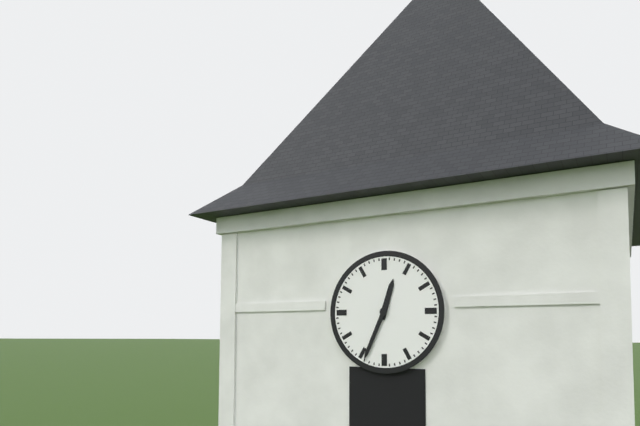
{"hour": 12, "minute": 34}
